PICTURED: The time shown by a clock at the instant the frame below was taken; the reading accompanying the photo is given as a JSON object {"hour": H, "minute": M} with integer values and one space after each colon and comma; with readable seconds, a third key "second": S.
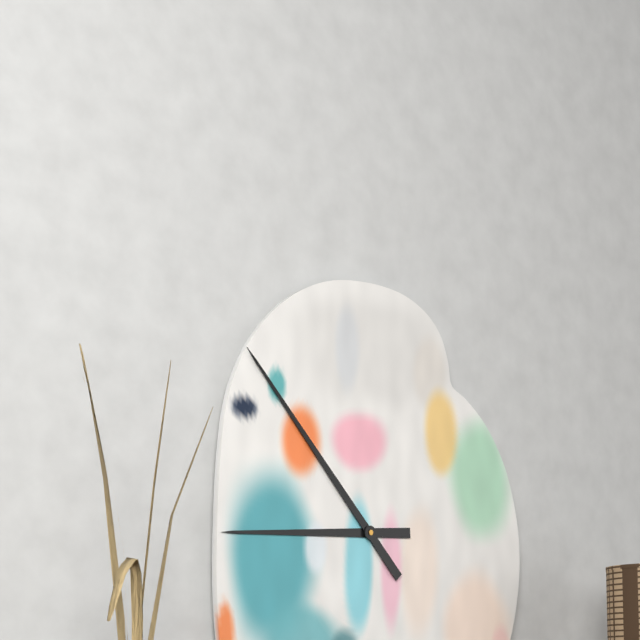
{"hour": 8, "minute": 53}
